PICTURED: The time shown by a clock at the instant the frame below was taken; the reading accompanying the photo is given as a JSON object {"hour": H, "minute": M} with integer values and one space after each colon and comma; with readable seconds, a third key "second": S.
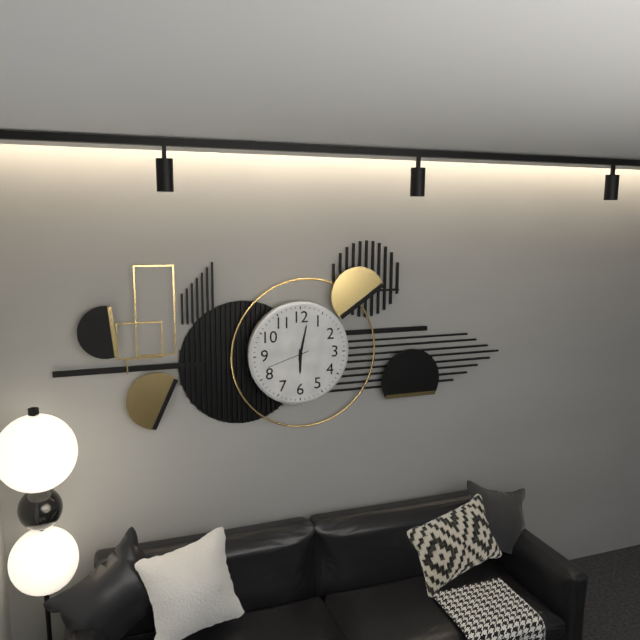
{"hour": 6, "minute": 2}
